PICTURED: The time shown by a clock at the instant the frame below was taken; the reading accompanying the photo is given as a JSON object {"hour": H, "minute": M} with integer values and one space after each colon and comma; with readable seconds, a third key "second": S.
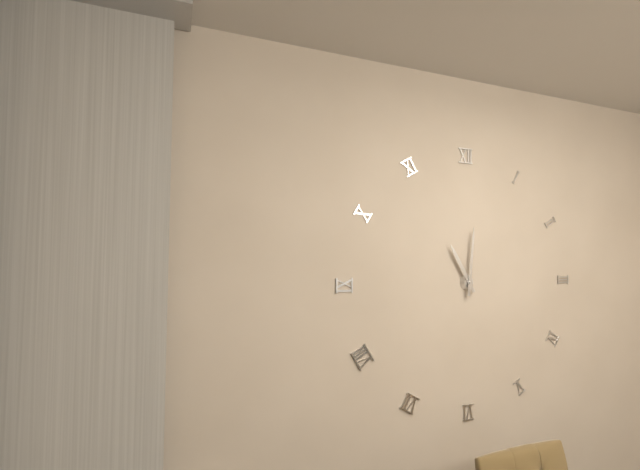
{"hour": 11, "minute": 1}
